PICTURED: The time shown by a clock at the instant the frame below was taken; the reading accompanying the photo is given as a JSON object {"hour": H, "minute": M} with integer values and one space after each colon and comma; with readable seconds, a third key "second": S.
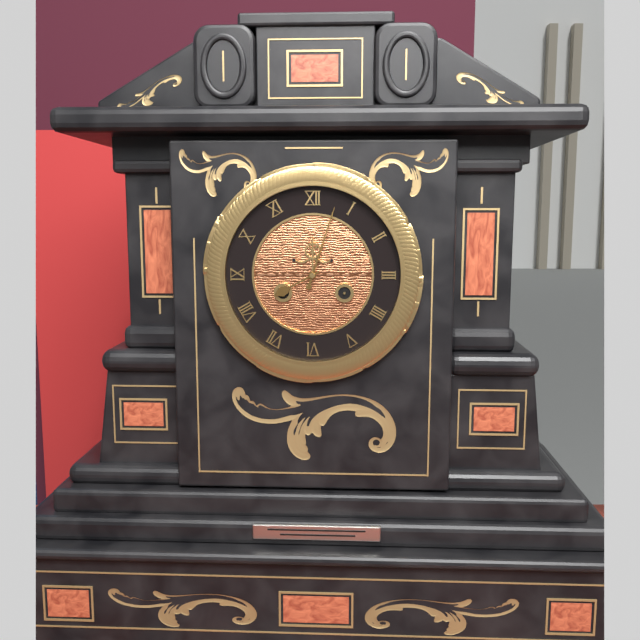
{"hour": 8, "minute": 3}
